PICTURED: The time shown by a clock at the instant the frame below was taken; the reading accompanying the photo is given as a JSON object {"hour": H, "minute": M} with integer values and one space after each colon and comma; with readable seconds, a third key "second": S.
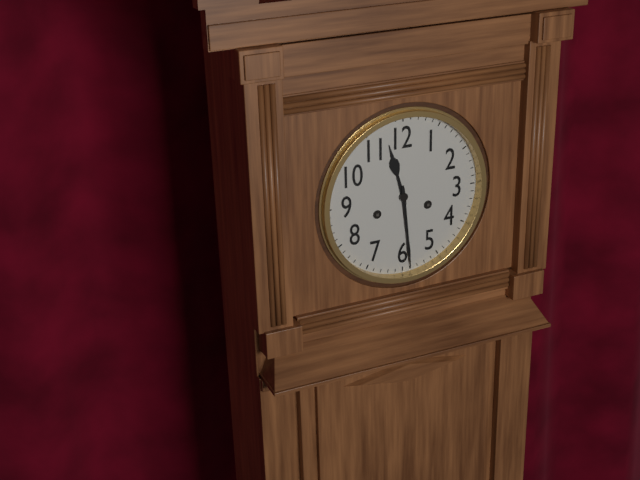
{"hour": 11, "minute": 29}
